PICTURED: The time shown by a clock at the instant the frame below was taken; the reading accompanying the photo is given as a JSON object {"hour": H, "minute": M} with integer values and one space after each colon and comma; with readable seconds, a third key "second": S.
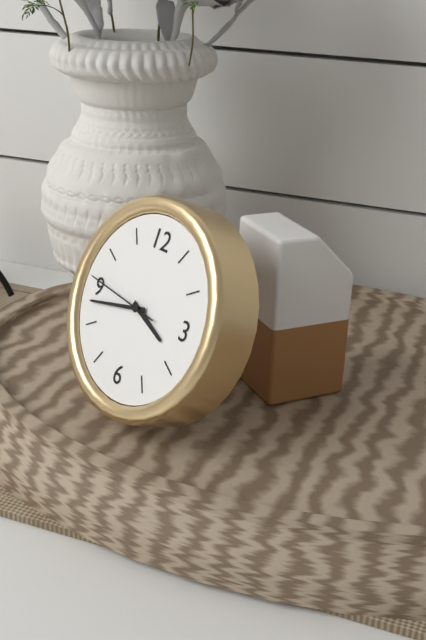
{"hour": 3, "minute": 43, "second": 46}
